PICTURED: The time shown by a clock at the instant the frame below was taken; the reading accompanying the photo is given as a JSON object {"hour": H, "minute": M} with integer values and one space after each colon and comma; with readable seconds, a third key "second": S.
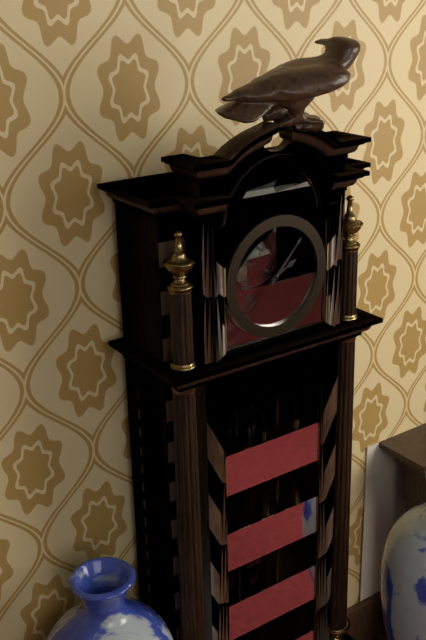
{"hour": 2, "minute": 7}
